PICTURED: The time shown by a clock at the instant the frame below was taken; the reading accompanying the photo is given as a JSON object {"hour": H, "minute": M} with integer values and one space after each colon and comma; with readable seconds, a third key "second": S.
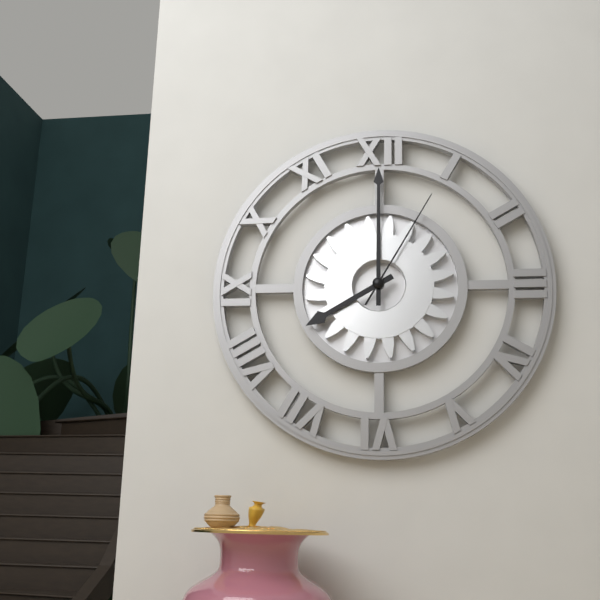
{"hour": 8, "minute": 0, "second": 5}
